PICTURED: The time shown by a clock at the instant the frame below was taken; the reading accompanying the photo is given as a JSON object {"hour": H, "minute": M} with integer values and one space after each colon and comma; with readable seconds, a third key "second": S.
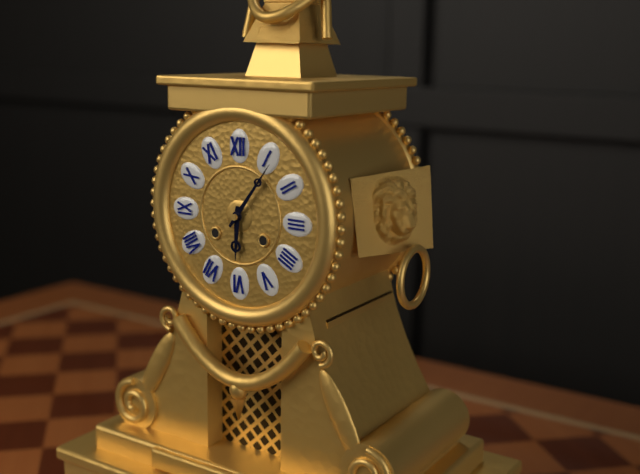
{"hour": 6, "minute": 6}
